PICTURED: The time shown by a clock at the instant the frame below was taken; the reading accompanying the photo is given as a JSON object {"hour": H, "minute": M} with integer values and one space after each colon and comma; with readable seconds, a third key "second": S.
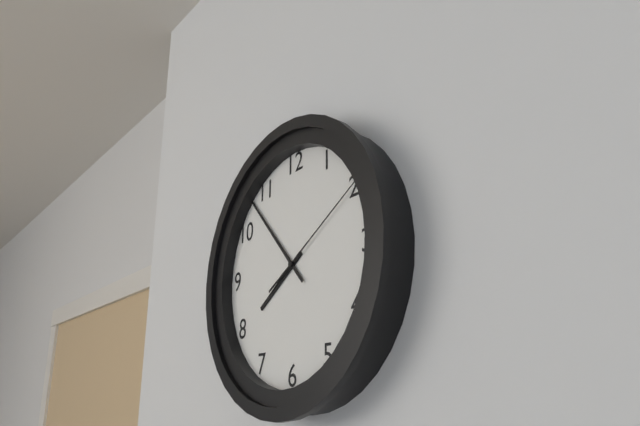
{"hour": 7, "minute": 53, "second": 10}
